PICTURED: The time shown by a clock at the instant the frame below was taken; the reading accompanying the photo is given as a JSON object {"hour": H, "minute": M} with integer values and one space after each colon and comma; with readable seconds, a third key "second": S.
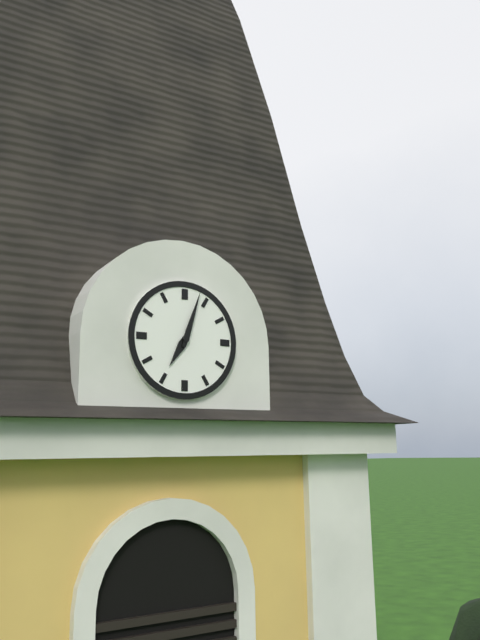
{"hour": 7, "minute": 3}
